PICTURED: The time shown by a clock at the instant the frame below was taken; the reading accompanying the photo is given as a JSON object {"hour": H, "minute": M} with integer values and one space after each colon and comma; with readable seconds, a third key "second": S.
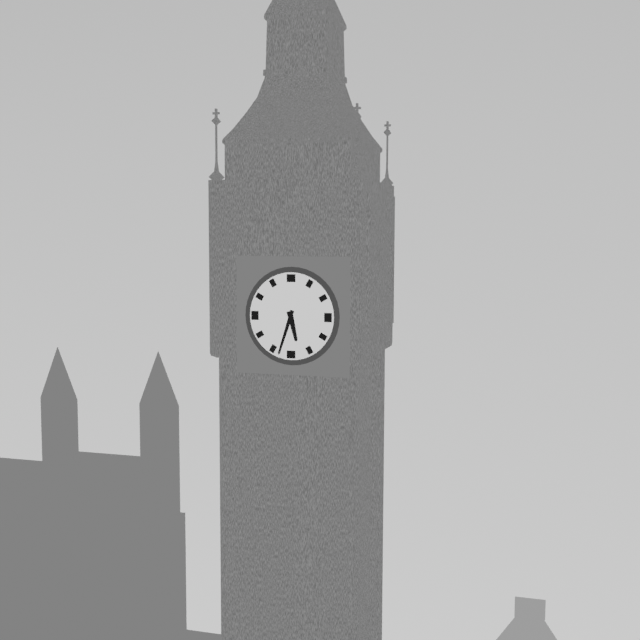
{"hour": 5, "minute": 33}
